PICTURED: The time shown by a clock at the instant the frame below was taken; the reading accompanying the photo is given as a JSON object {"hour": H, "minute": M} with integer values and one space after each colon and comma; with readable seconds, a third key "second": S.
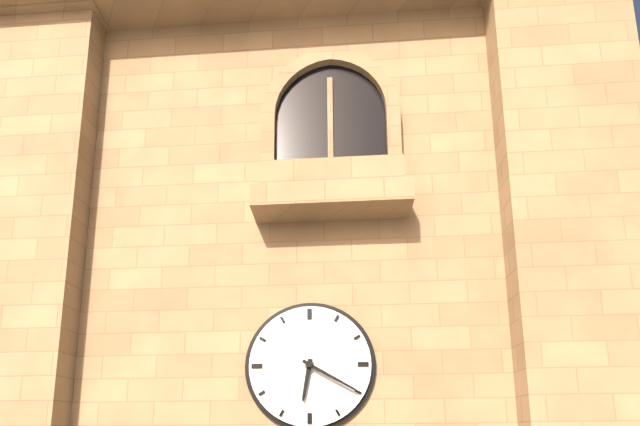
{"hour": 6, "minute": 20}
